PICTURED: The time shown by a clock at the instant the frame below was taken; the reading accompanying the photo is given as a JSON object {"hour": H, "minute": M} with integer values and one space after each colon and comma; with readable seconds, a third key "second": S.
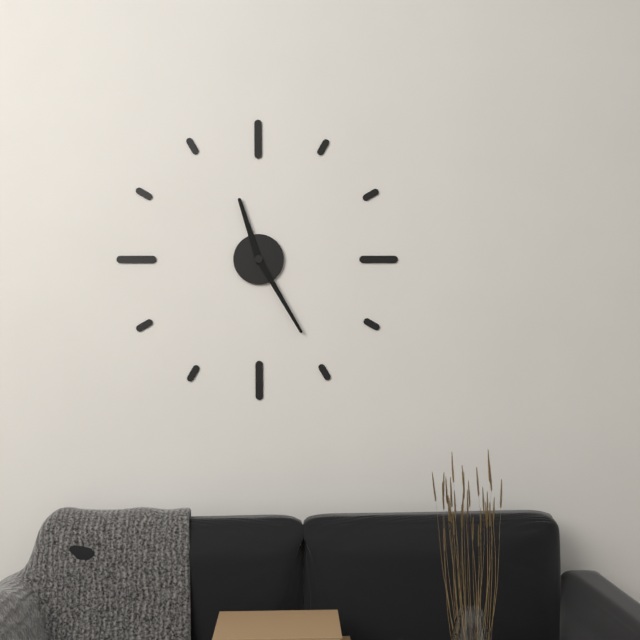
{"hour": 11, "minute": 25}
